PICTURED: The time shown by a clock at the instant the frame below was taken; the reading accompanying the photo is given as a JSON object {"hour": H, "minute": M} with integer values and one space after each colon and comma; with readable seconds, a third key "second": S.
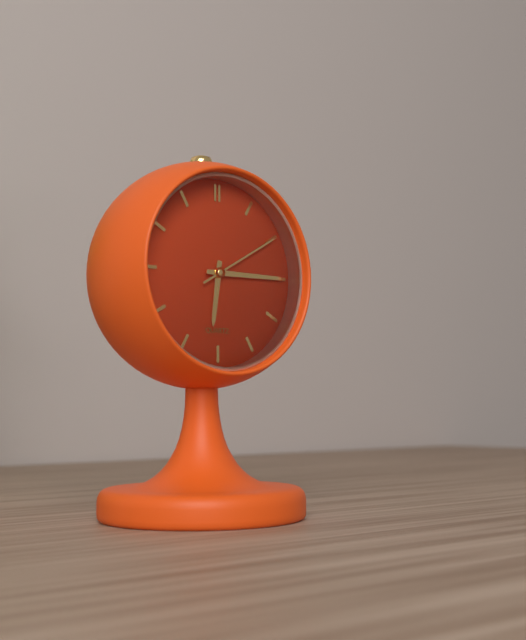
{"hour": 6, "minute": 15, "second": 10}
